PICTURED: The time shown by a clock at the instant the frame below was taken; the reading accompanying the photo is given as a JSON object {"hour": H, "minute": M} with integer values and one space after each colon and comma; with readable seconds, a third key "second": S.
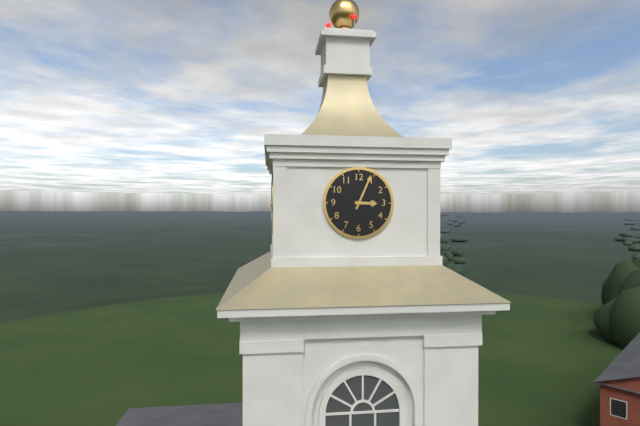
{"hour": 3, "minute": 4}
